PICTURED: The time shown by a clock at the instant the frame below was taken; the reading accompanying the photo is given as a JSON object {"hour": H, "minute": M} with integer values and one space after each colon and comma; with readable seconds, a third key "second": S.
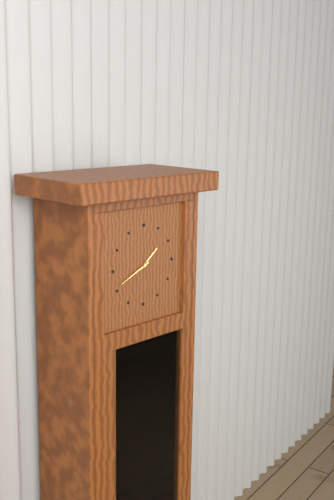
{"hour": 1, "minute": 41}
